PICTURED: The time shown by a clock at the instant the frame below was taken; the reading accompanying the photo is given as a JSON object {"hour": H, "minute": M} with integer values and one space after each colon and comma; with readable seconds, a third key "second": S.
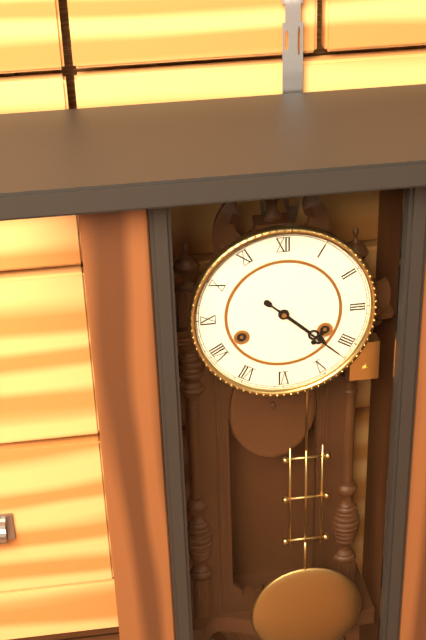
{"hour": 4, "minute": 22}
